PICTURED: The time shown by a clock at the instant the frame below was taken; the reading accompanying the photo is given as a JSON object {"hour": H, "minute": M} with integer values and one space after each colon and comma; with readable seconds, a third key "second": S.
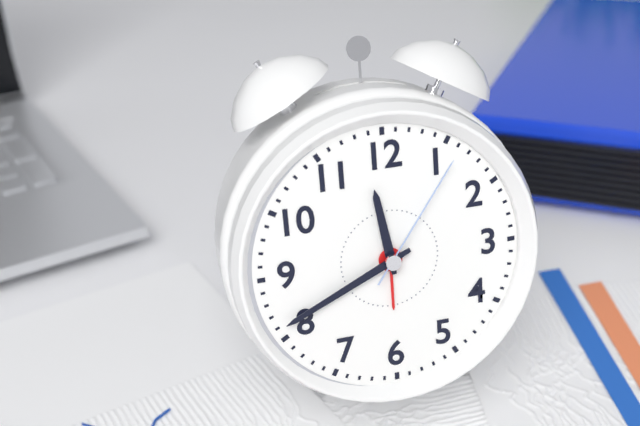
{"hour": 11, "minute": 41, "second": 6}
